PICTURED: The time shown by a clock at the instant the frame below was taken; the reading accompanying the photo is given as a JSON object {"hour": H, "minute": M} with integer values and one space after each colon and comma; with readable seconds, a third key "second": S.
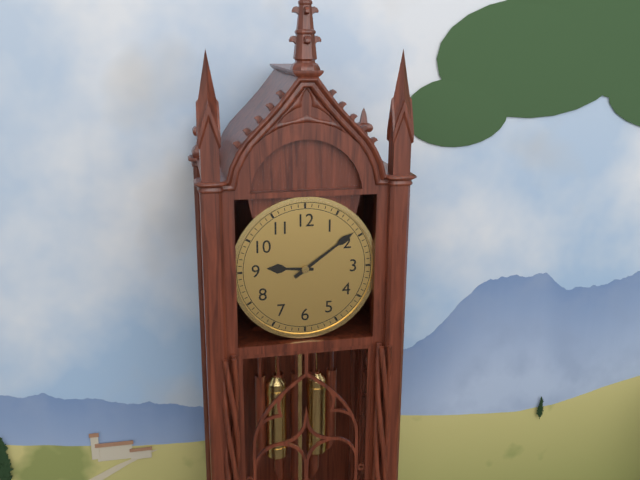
{"hour": 9, "minute": 9}
